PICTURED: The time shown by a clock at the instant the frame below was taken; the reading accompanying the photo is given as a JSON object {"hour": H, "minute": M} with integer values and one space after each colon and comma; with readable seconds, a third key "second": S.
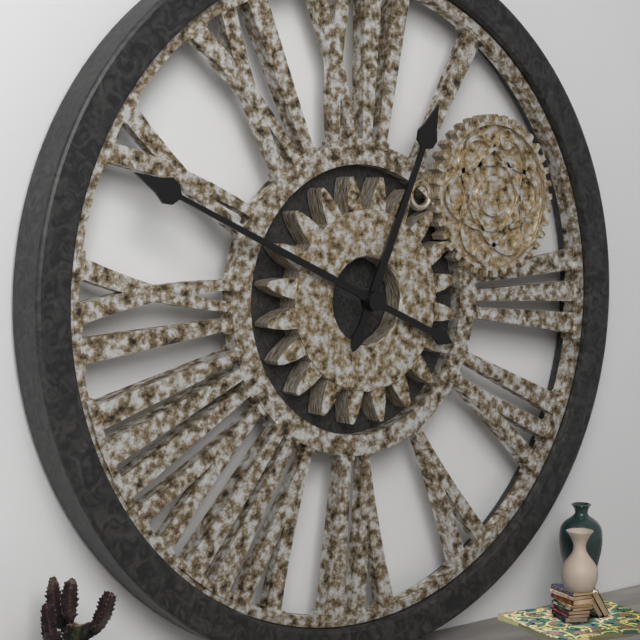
{"hour": 12, "minute": 49}
